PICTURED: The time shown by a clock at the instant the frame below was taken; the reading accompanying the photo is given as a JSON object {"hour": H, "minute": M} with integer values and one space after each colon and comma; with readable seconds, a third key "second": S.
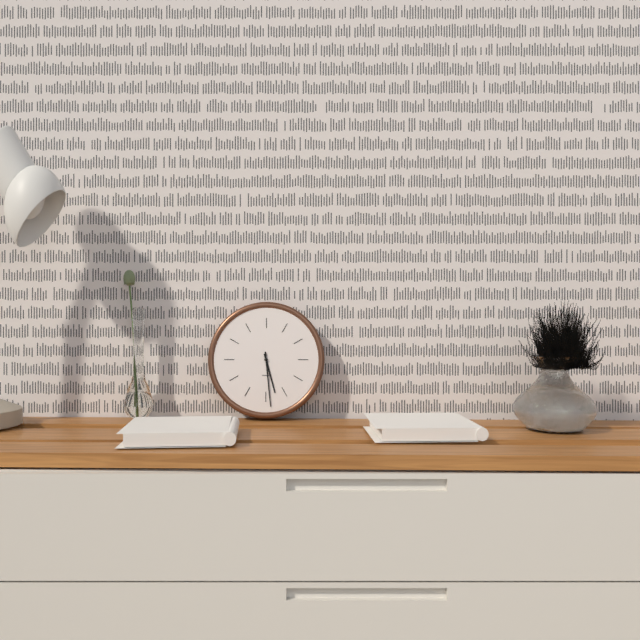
{"hour": 5, "minute": 29}
